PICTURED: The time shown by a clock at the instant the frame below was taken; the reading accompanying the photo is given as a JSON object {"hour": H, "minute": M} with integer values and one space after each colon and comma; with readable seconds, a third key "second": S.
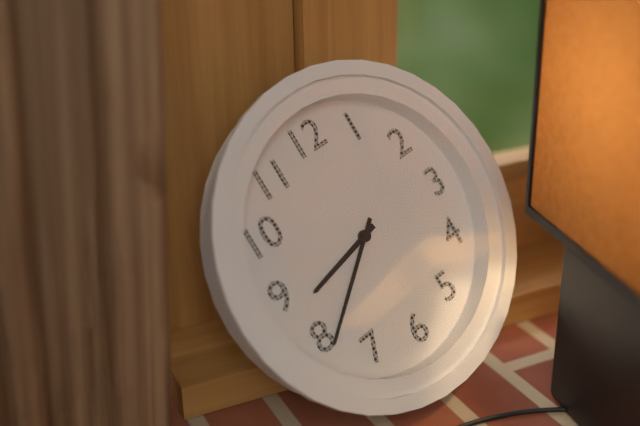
{"hour": 8, "minute": 39}
